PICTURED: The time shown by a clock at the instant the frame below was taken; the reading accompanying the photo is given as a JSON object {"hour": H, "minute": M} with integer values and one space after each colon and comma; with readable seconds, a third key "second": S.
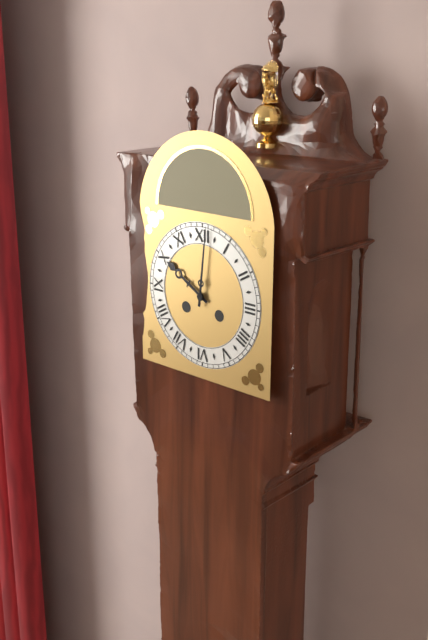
{"hour": 10, "minute": 1}
